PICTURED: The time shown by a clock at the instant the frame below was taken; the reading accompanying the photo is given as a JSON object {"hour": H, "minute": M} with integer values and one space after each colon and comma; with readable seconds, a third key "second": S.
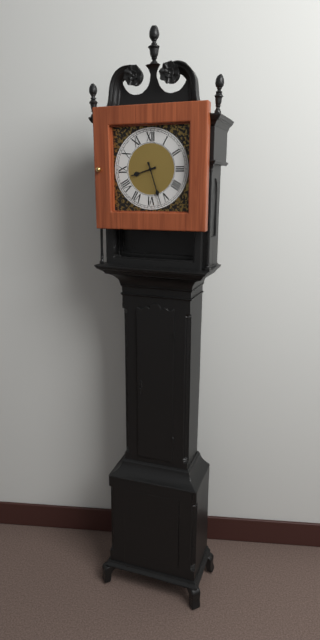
{"hour": 8, "minute": 27}
